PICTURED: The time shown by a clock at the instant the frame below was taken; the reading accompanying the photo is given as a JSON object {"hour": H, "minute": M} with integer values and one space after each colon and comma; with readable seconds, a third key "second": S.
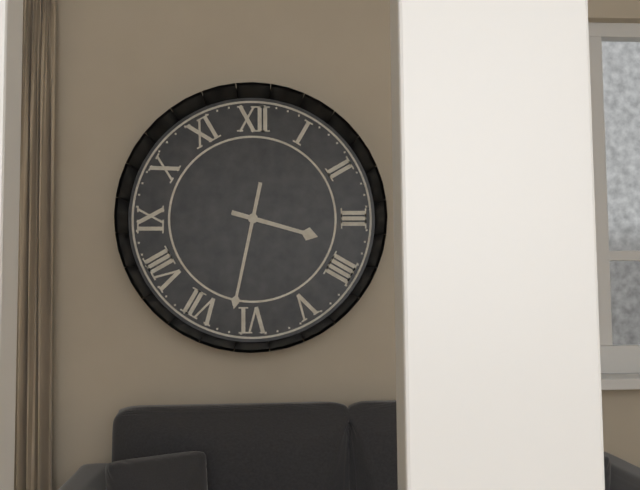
{"hour": 3, "minute": 32}
